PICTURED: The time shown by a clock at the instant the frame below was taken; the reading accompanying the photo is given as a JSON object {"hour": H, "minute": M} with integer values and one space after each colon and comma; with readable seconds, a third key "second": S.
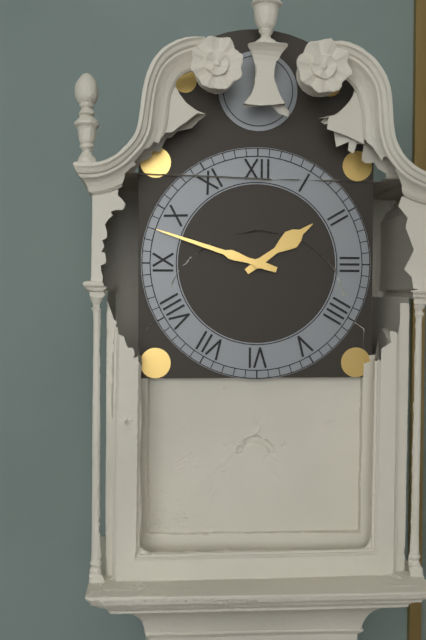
{"hour": 1, "minute": 48}
